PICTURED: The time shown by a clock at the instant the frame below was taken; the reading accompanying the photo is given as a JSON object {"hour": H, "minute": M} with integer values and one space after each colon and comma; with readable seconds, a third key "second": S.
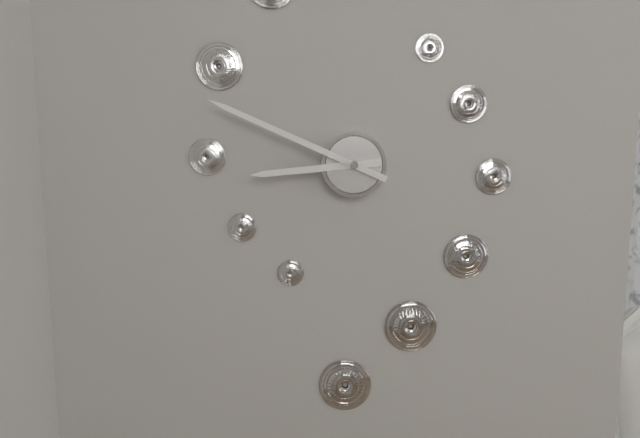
{"hour": 8, "minute": 49}
